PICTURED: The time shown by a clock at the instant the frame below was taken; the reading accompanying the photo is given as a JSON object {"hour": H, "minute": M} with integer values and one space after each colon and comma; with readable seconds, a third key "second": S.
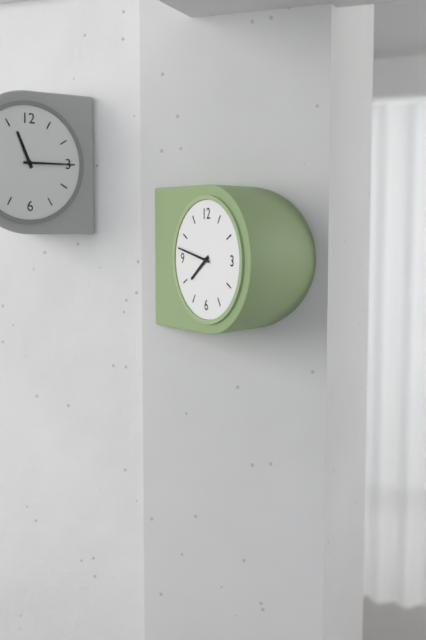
{"hour": 7, "minute": 47}
